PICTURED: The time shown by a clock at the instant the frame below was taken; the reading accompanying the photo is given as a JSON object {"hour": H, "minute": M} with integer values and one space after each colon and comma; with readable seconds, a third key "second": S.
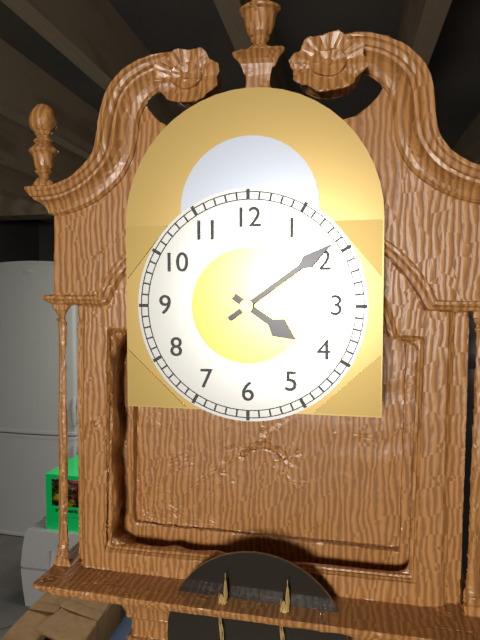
{"hour": 4, "minute": 9}
